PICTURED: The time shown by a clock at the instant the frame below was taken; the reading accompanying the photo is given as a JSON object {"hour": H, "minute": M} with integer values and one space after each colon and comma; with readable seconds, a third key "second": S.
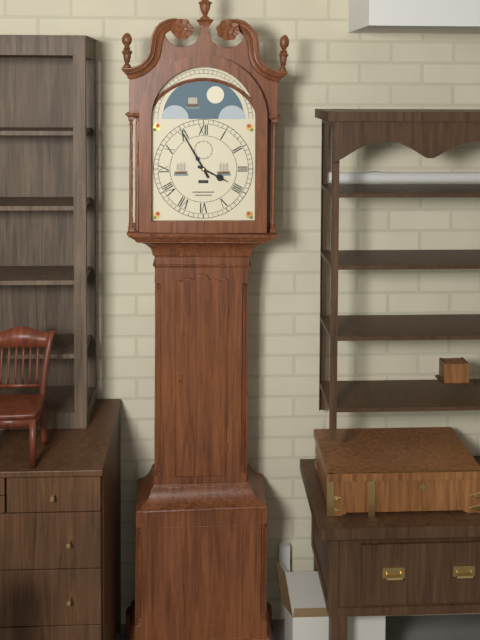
{"hour": 3, "minute": 55}
